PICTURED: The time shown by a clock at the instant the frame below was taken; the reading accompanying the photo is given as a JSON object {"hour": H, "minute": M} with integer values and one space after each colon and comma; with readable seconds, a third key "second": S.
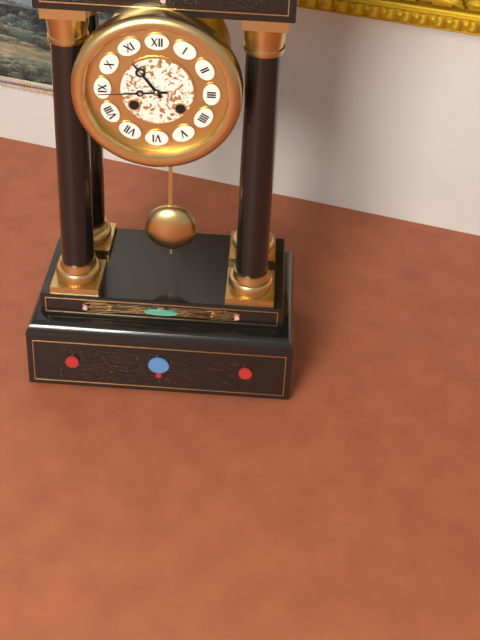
{"hour": 10, "minute": 44}
